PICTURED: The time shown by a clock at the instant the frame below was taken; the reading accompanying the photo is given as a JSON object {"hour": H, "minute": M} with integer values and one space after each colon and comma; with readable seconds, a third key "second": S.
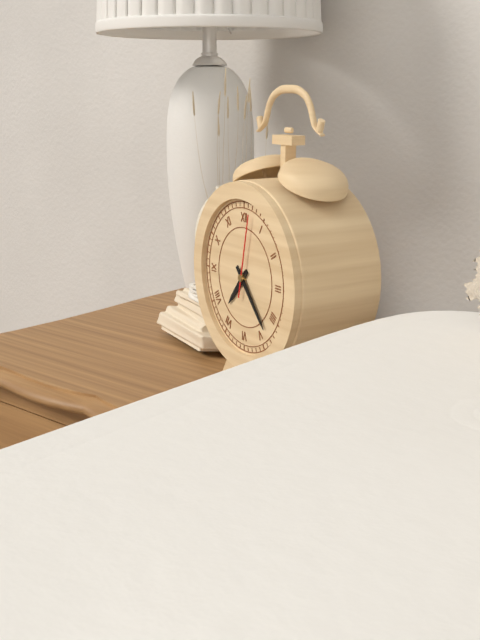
{"hour": 7, "minute": 23, "second": 2}
